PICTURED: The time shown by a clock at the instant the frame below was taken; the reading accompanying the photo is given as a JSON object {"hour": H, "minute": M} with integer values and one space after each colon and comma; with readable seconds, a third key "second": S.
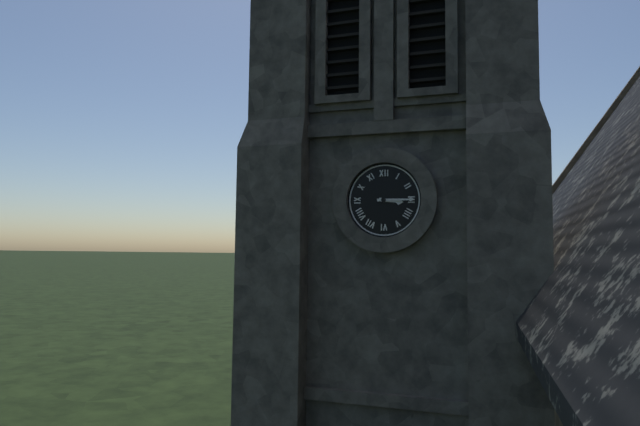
{"hour": 3, "minute": 15}
